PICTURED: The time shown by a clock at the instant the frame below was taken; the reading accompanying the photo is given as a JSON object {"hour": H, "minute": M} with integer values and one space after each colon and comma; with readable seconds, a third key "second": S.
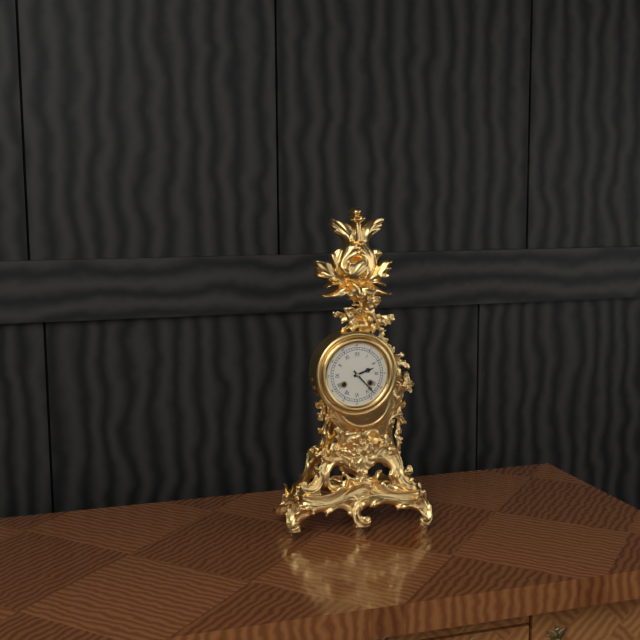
{"hour": 2, "minute": 23}
